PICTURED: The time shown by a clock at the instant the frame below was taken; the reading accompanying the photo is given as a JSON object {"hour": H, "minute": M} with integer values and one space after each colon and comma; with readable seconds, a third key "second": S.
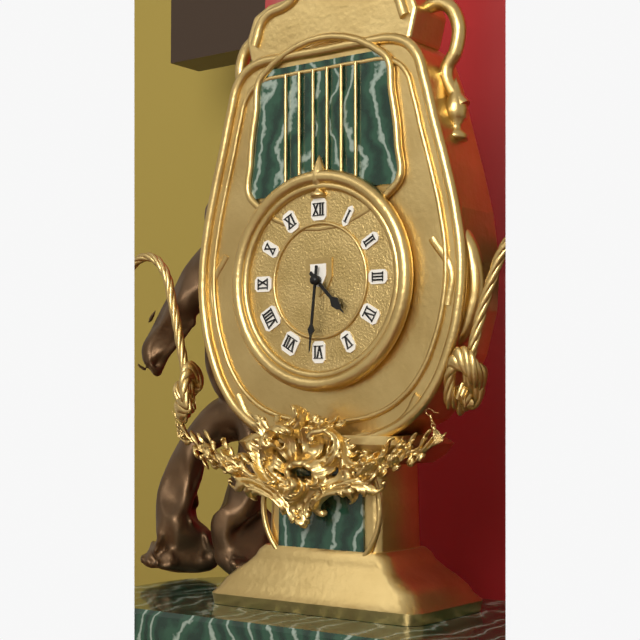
{"hour": 4, "minute": 31}
